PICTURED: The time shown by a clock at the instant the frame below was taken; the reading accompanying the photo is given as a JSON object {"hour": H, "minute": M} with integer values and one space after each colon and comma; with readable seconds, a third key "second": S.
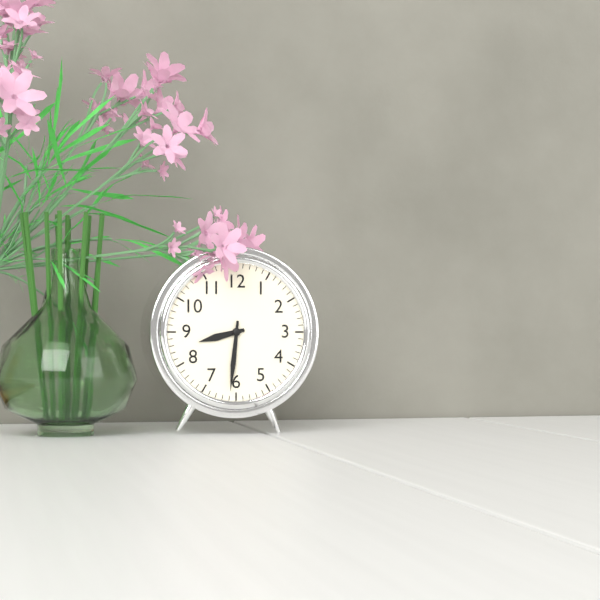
{"hour": 8, "minute": 31}
